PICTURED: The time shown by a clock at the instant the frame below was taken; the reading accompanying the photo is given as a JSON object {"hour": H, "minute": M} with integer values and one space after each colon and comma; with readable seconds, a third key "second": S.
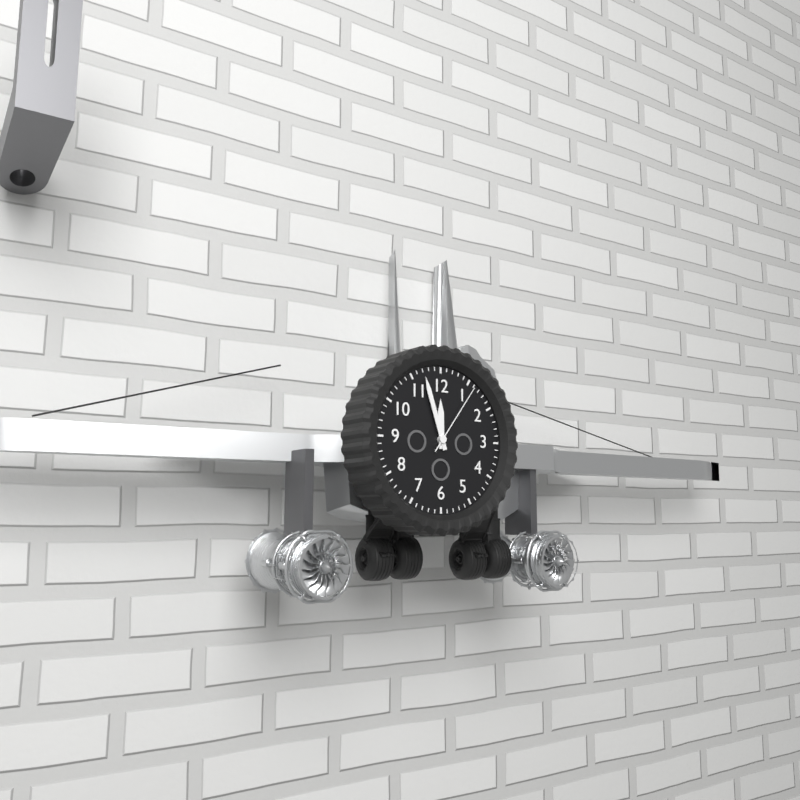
{"hour": 11, "minute": 57, "second": 6}
